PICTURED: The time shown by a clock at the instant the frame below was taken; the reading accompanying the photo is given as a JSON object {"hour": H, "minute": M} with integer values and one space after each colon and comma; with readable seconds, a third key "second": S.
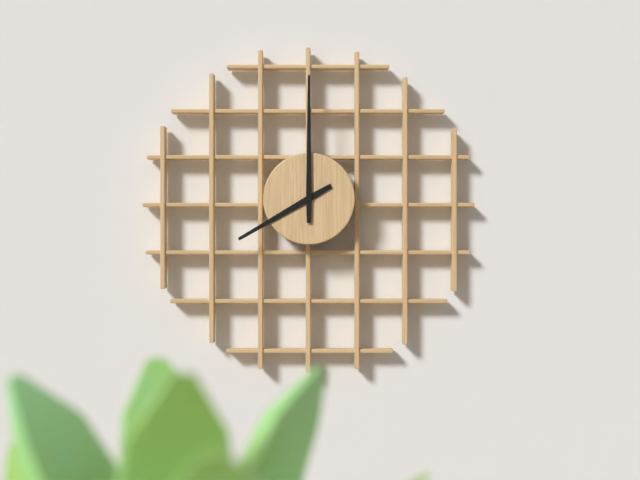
{"hour": 8, "minute": 0}
